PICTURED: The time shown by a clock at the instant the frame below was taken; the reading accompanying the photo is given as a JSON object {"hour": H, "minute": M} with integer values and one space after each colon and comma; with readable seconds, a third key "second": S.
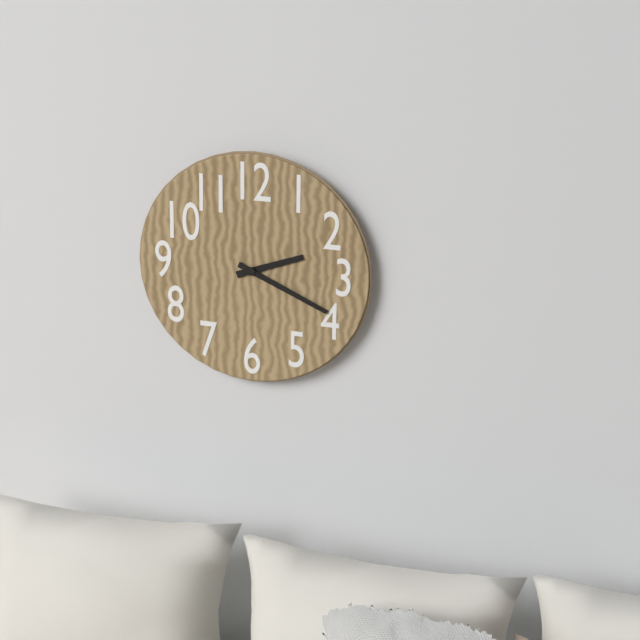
{"hour": 2, "minute": 19}
